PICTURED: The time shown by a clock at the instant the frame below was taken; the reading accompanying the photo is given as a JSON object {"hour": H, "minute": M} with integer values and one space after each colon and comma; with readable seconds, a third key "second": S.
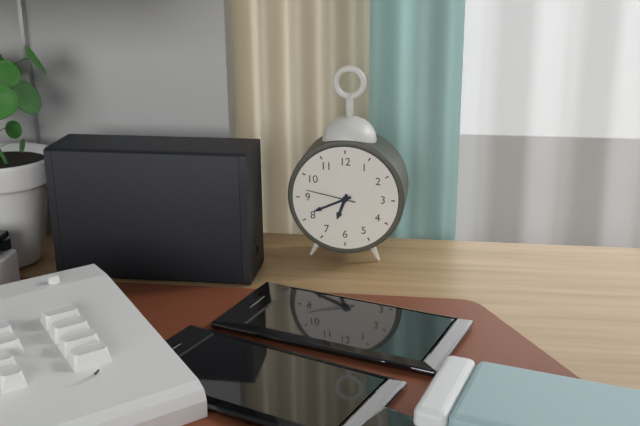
{"hour": 6, "minute": 41}
